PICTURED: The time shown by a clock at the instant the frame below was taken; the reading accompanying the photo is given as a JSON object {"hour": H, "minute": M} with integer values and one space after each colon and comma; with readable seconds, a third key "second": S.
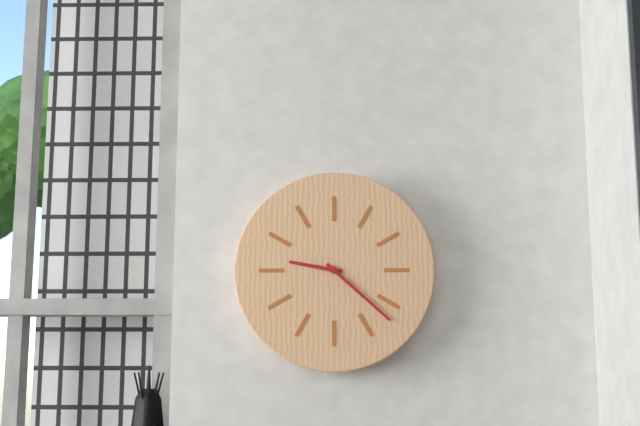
{"hour": 9, "minute": 22}
